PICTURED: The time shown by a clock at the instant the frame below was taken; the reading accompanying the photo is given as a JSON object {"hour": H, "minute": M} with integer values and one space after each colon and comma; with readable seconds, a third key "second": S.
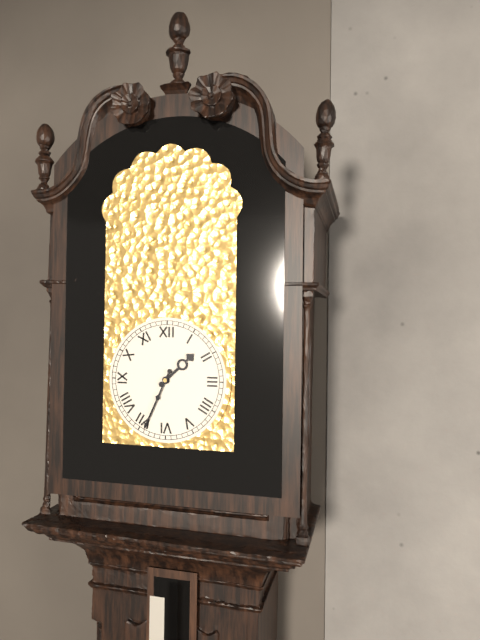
{"hour": 1, "minute": 34}
